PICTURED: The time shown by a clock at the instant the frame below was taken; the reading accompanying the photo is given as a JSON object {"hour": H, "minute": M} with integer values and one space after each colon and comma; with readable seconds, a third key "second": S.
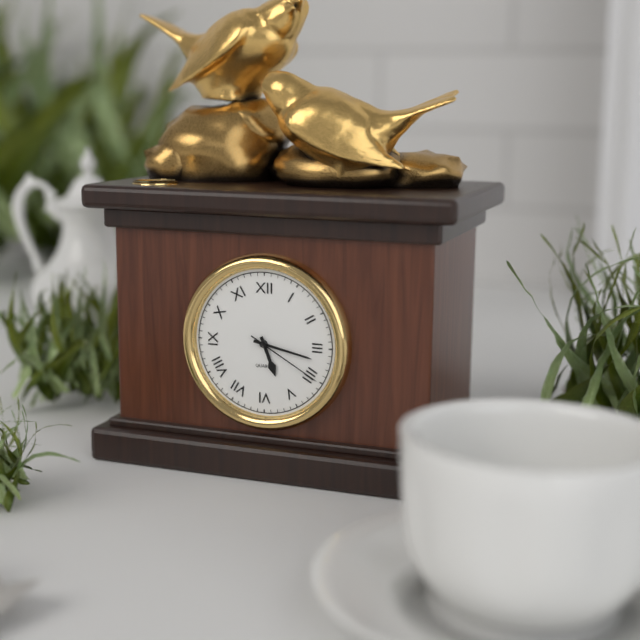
{"hour": 5, "minute": 17, "second": 20}
